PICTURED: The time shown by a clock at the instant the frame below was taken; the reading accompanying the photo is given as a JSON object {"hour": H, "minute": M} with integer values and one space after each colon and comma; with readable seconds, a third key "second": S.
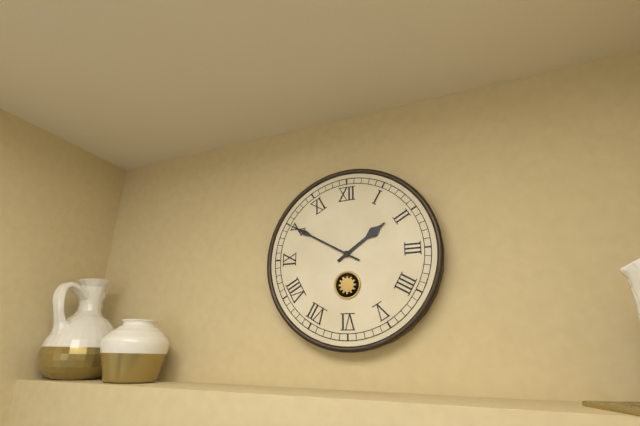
{"hour": 1, "minute": 50}
